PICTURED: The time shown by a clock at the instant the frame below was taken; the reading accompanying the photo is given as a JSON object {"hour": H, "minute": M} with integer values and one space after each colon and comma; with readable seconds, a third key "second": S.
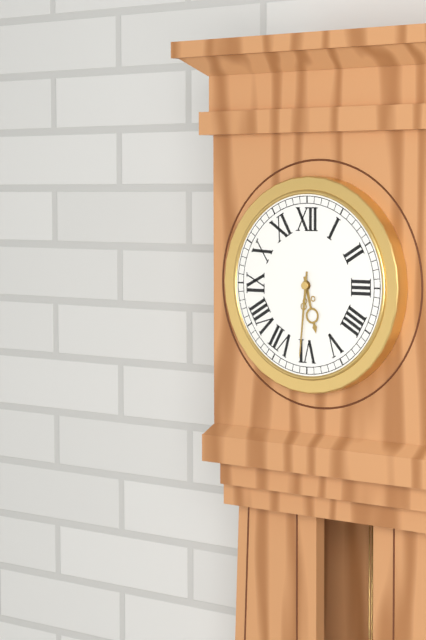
{"hour": 5, "minute": 31}
